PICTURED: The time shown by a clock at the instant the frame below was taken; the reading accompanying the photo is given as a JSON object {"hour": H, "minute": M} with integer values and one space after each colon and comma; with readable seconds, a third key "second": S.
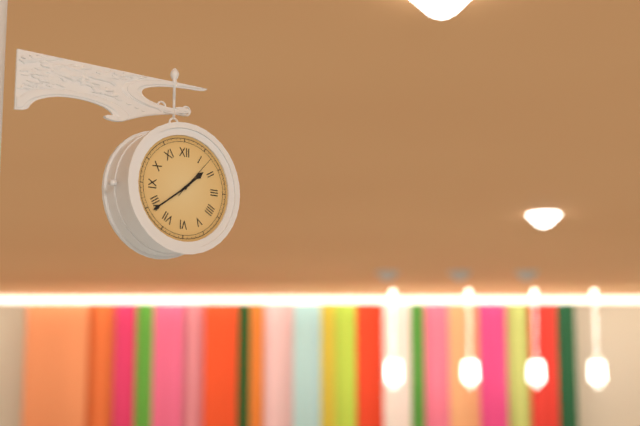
{"hour": 1, "minute": 39}
